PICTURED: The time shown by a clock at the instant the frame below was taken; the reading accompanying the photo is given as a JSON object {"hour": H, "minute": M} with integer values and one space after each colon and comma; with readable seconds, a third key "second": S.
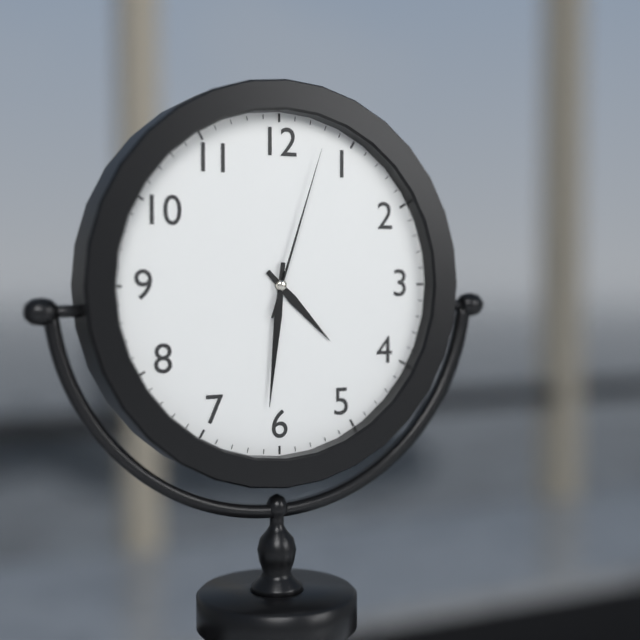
{"hour": 4, "minute": 31, "second": 3}
